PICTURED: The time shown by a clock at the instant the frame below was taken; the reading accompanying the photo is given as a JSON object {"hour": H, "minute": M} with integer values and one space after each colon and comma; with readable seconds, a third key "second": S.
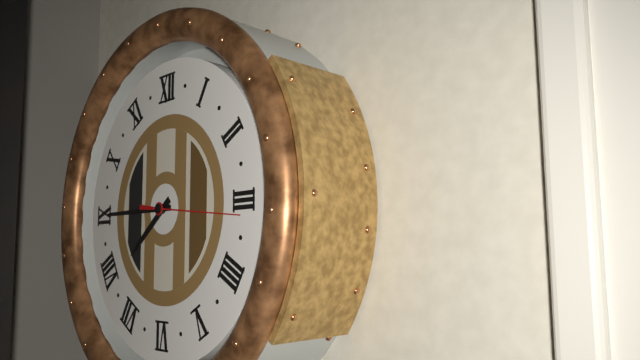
{"hour": 7, "minute": 45}
